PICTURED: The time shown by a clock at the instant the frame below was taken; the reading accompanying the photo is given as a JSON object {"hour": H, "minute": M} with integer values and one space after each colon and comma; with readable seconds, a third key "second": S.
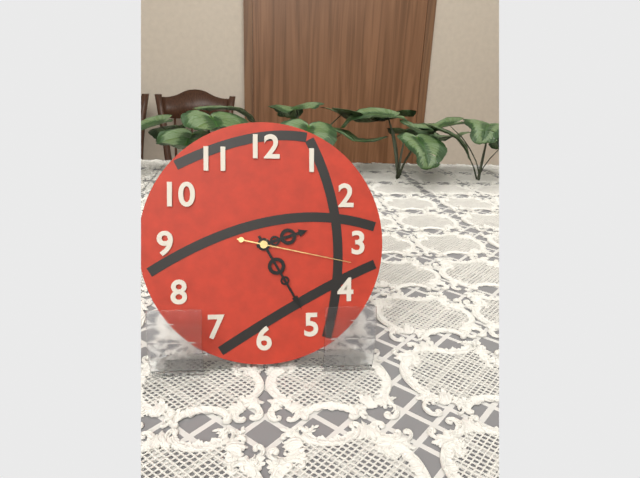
{"hour": 2, "minute": 25, "second": 17}
